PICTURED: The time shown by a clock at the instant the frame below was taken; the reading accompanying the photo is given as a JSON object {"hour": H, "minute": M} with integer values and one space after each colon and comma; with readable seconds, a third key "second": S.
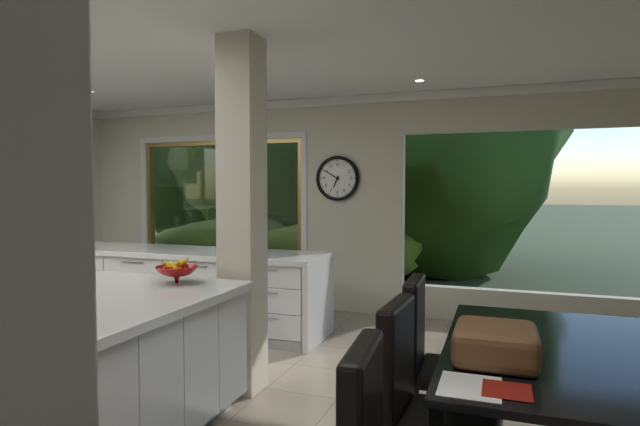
{"hour": 6, "minute": 50}
